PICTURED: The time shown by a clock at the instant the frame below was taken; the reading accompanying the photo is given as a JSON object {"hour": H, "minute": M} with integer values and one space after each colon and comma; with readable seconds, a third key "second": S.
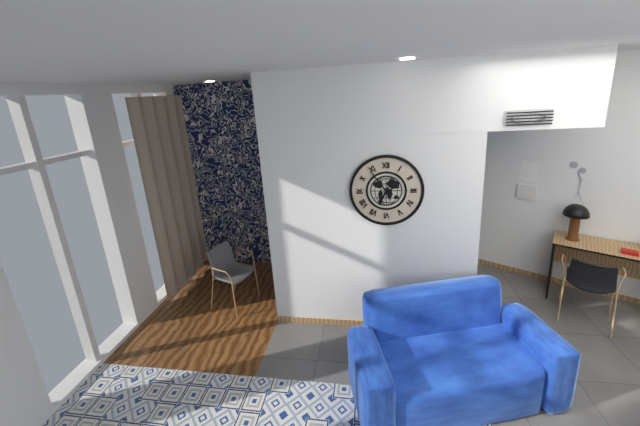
{"hour": 6, "minute": 54}
